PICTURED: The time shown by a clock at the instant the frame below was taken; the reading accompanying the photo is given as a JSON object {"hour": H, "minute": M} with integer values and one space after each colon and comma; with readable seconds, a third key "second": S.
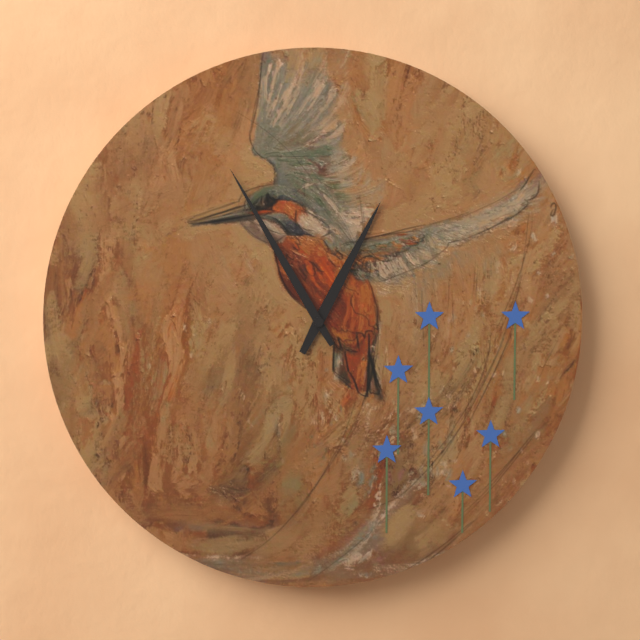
{"hour": 12, "minute": 55}
